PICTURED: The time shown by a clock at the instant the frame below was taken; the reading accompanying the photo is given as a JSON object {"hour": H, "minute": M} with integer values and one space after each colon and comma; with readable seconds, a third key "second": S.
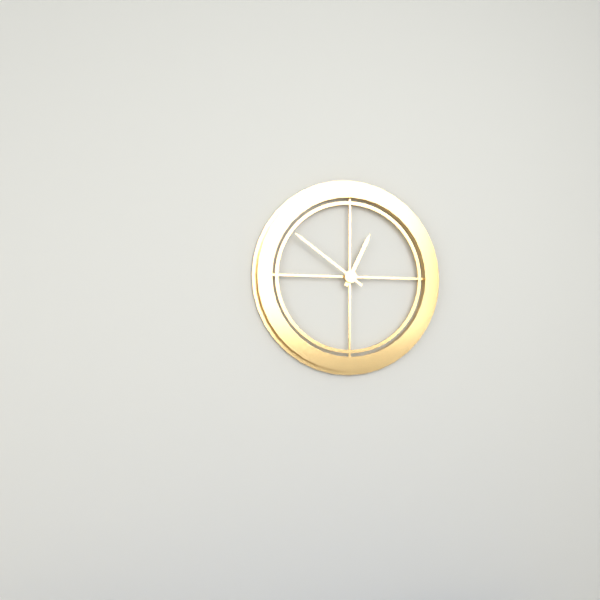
{"hour": 12, "minute": 51}
